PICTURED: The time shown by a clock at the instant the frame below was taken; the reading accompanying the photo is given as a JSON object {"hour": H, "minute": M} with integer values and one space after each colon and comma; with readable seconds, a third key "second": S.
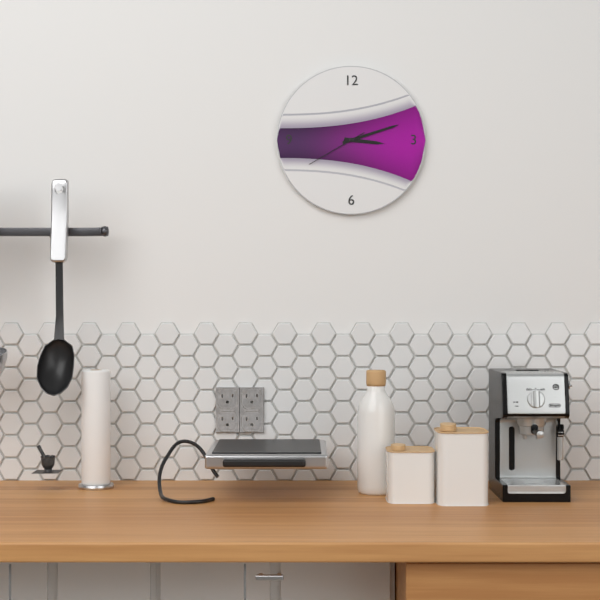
{"hour": 3, "minute": 12, "second": 40}
